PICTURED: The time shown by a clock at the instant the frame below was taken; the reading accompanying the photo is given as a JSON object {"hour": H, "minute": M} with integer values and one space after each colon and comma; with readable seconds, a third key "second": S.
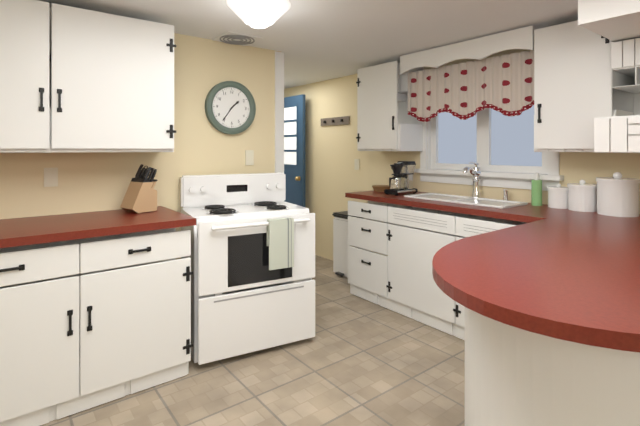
{"hour": 1, "minute": 36}
